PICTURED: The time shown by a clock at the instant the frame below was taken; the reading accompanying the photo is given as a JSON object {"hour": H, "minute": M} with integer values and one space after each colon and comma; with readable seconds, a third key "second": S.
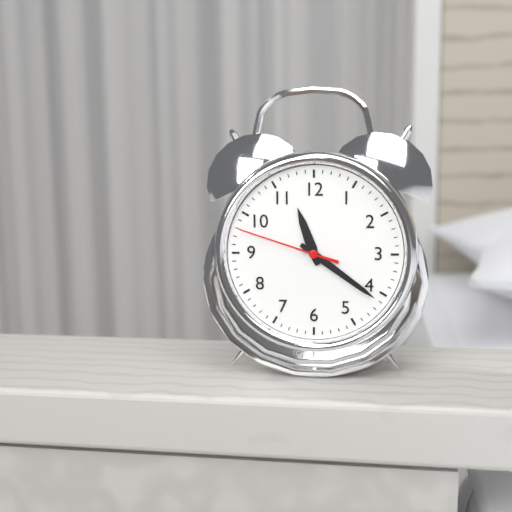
{"hour": 11, "minute": 21, "second": 48}
